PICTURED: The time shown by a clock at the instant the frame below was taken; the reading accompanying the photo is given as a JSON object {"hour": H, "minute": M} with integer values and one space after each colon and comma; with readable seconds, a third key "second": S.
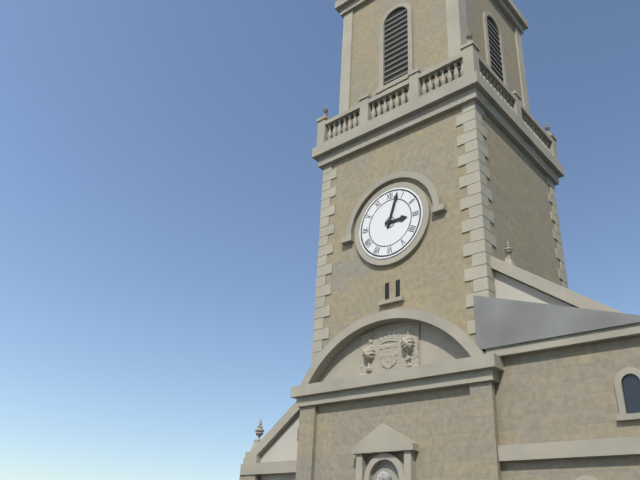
{"hour": 3, "minute": 3}
